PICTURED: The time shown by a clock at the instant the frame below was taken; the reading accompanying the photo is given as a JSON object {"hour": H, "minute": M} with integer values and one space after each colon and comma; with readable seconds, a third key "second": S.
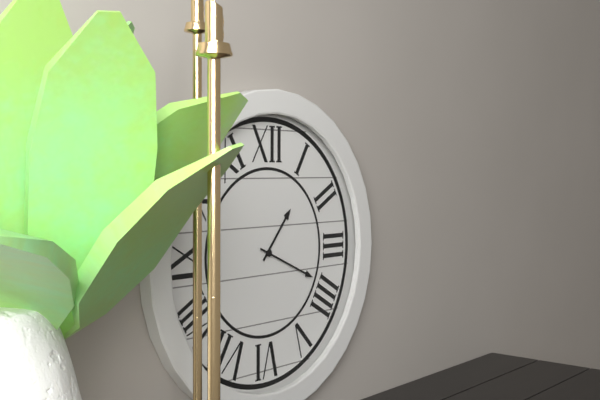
{"hour": 1, "minute": 19}
